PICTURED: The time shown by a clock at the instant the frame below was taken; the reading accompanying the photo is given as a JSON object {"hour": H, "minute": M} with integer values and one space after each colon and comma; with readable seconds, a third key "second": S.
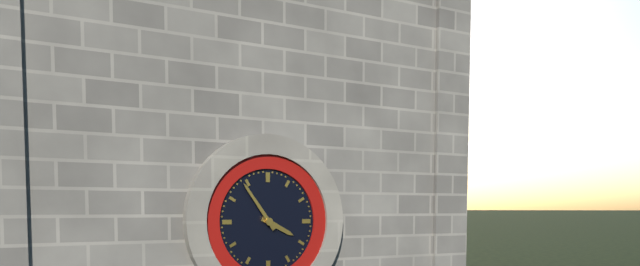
{"hour": 3, "minute": 54}
